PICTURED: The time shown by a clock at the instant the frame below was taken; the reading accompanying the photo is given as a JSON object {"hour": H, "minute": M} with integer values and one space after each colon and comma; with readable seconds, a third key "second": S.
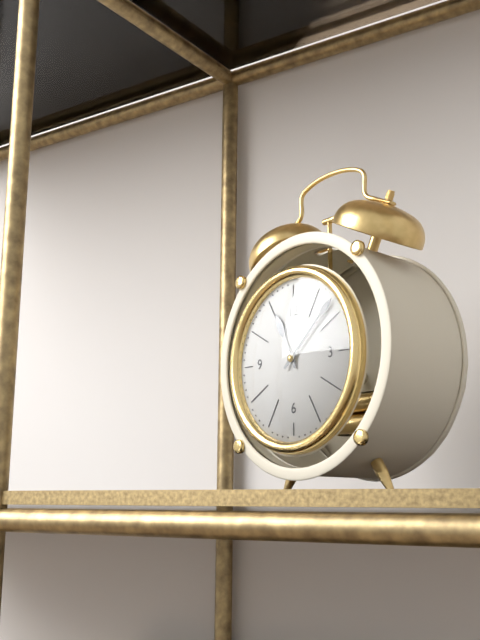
{"hour": 11, "minute": 8}
